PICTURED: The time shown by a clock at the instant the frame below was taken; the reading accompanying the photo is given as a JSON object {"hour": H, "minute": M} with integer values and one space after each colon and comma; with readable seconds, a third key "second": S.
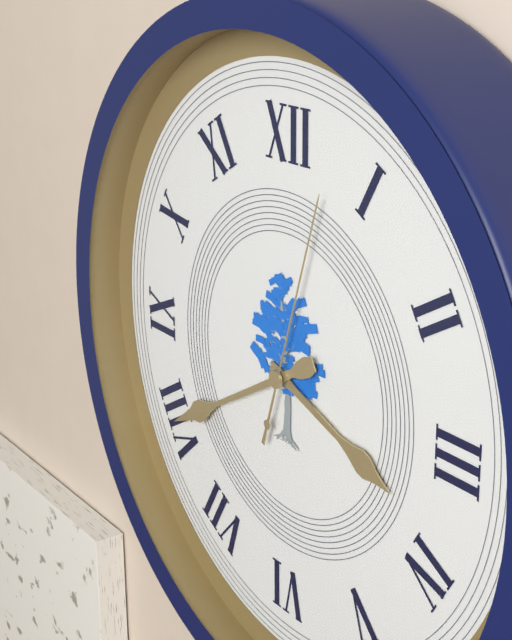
{"hour": 3, "minute": 40, "second": 3}
